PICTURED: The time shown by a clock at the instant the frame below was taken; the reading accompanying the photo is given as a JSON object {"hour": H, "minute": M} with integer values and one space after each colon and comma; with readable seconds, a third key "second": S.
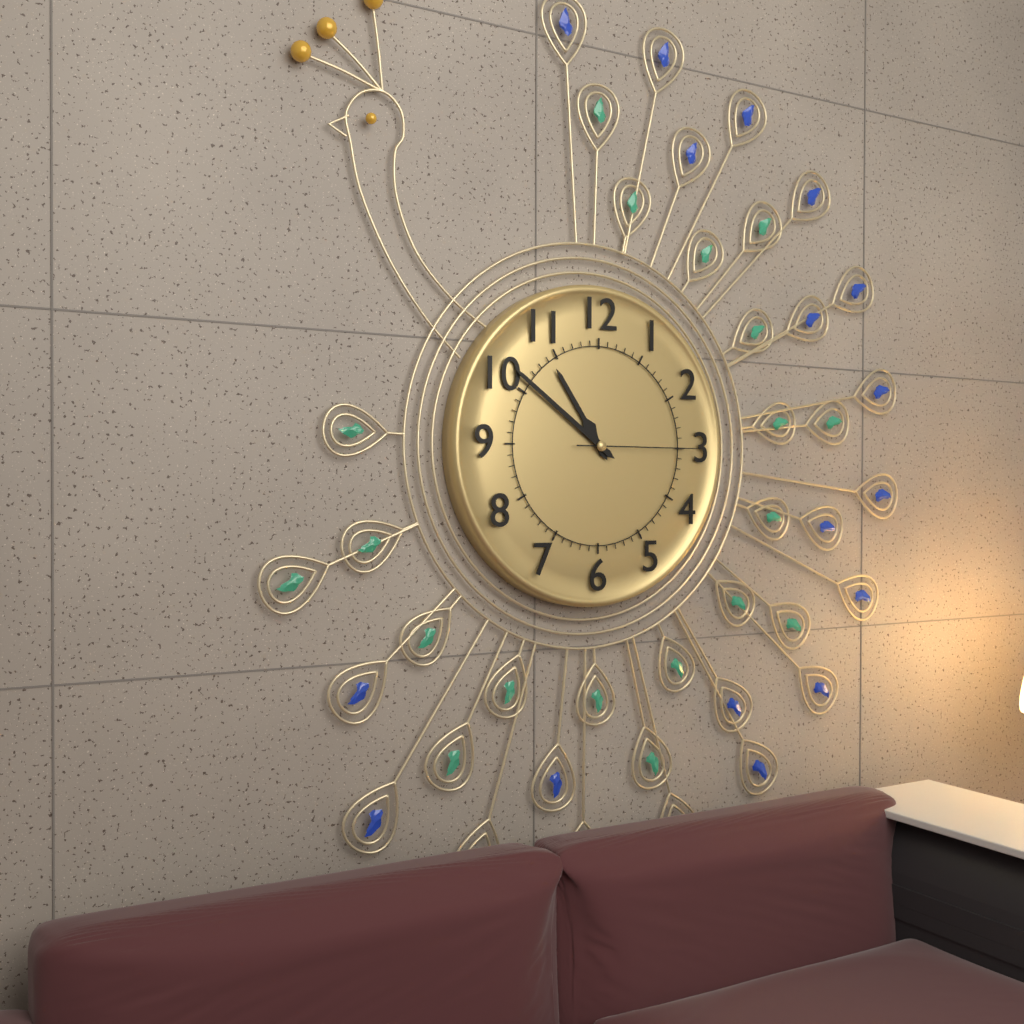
{"hour": 10, "minute": 51, "second": 15}
